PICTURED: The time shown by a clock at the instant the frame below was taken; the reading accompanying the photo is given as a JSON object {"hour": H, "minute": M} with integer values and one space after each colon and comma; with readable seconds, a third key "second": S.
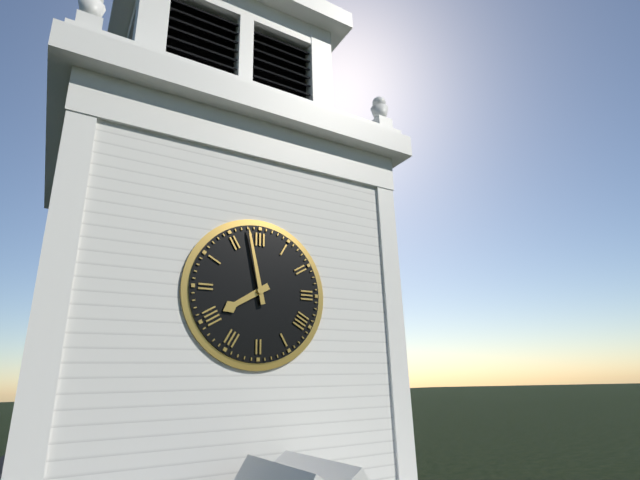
{"hour": 7, "minute": 58}
